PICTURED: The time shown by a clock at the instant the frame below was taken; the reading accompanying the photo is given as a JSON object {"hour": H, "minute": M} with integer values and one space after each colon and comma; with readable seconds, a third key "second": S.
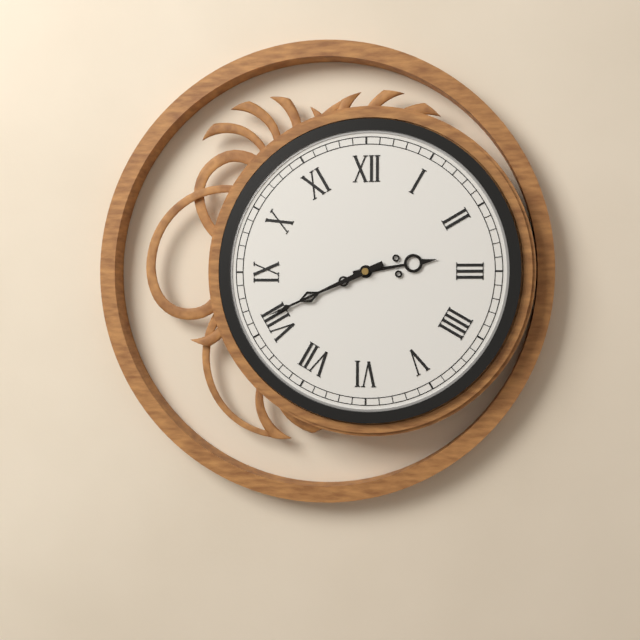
{"hour": 2, "minute": 41}
